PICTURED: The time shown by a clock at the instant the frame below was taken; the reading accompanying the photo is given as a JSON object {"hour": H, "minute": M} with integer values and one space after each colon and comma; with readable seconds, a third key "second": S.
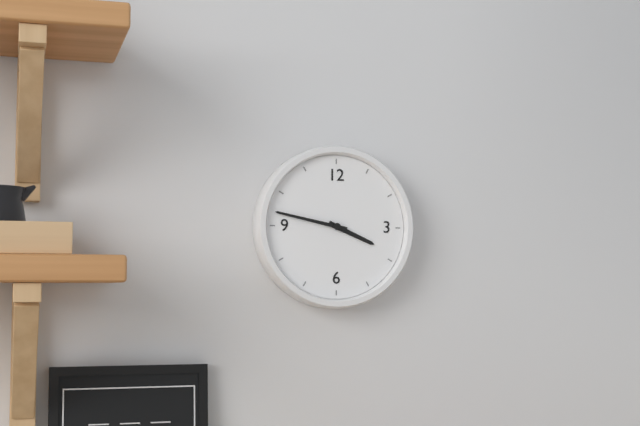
{"hour": 3, "minute": 47}
